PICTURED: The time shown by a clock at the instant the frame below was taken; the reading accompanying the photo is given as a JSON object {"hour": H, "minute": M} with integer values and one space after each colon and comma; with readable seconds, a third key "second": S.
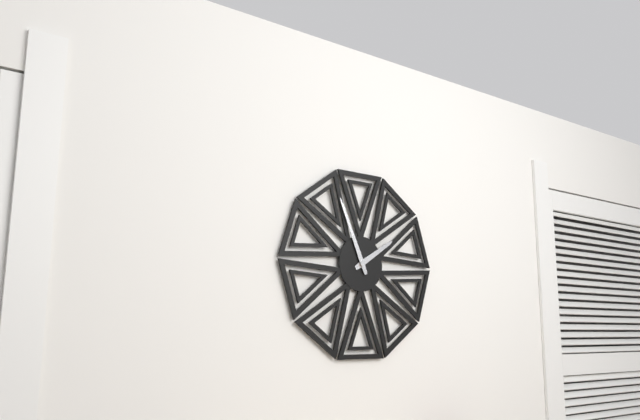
{"hour": 1, "minute": 56}
